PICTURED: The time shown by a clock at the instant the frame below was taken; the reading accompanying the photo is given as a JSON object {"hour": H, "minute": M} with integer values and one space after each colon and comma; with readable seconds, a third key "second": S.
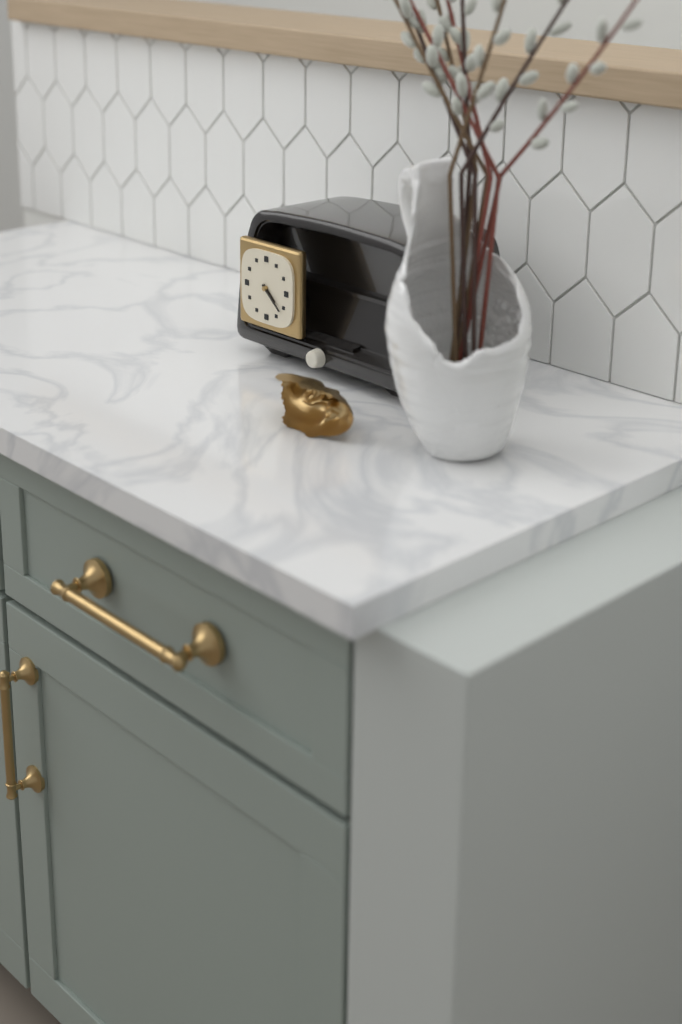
{"hour": 4, "minute": 22}
